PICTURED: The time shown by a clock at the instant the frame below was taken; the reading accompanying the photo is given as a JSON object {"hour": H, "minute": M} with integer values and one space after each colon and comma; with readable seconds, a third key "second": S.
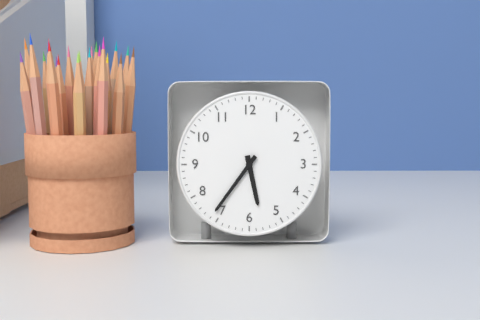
{"hour": 5, "minute": 36}
